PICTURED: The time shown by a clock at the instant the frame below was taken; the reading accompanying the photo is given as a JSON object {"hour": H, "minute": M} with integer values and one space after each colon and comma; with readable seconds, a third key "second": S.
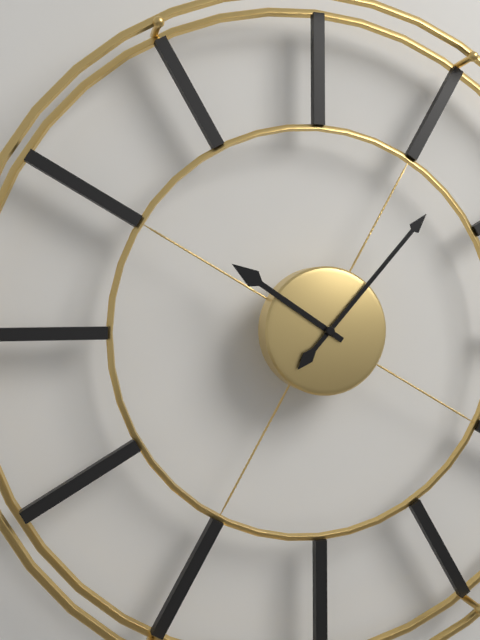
{"hour": 10, "minute": 7}
